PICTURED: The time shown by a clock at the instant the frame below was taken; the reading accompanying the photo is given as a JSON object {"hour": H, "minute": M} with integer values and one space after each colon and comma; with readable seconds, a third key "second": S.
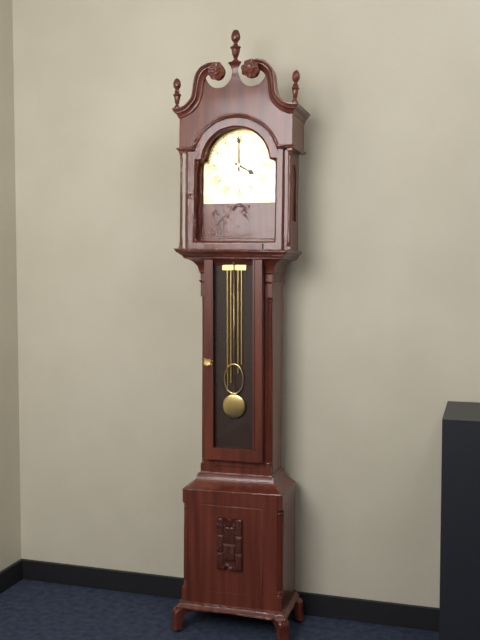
{"hour": 4, "minute": 0}
